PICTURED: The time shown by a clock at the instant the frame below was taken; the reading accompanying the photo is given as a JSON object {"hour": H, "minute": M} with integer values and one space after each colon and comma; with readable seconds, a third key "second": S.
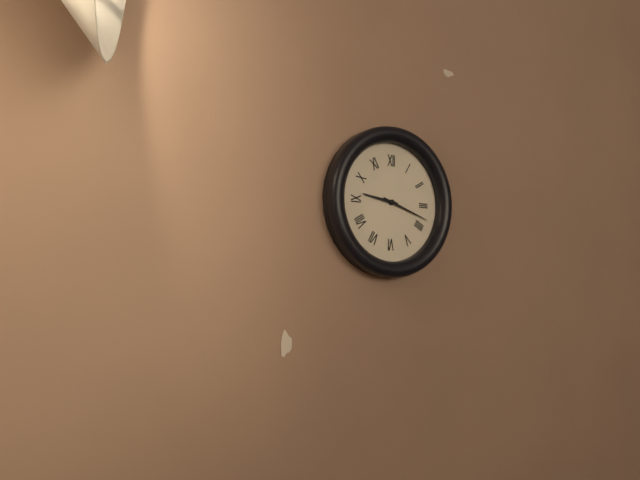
{"hour": 9, "minute": 18}
